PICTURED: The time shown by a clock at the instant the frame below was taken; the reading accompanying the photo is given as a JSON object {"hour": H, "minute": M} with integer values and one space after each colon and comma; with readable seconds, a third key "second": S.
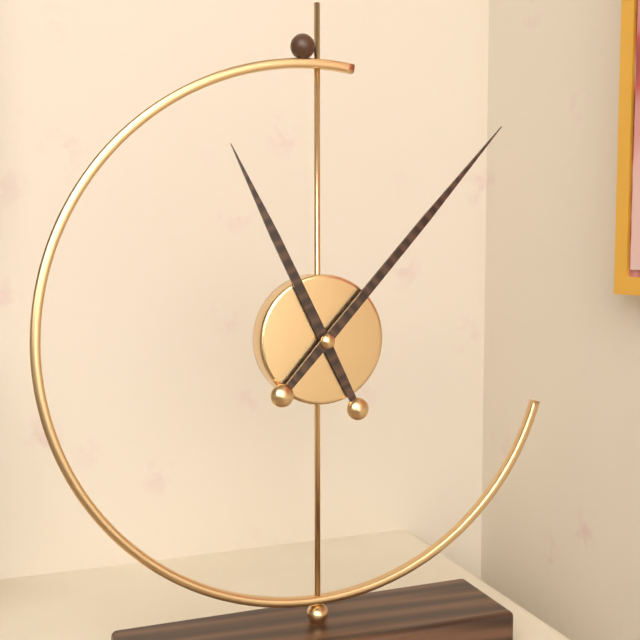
{"hour": 11, "minute": 7}
